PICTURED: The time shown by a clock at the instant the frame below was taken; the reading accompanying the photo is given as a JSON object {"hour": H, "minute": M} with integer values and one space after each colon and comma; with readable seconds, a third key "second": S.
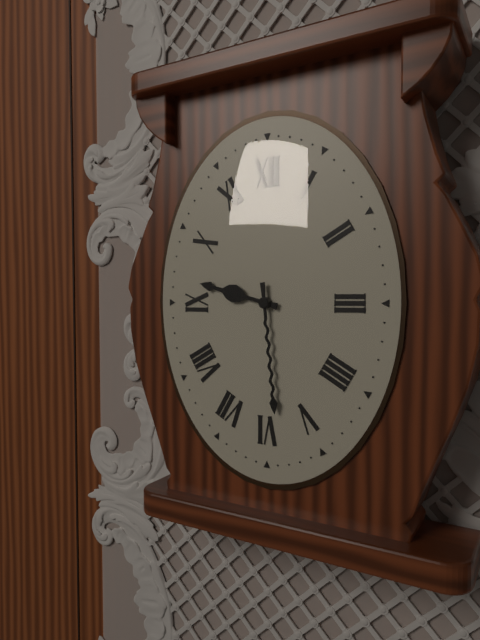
{"hour": 9, "minute": 29}
